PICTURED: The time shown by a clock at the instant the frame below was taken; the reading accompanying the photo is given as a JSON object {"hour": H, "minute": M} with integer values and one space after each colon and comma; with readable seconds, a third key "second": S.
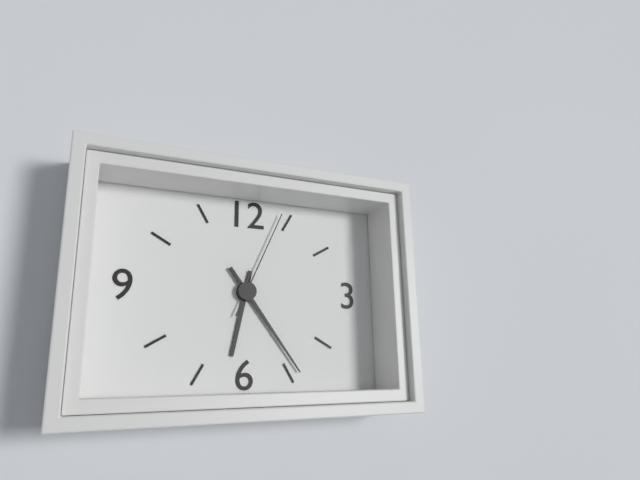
{"hour": 6, "minute": 24, "second": 4}
